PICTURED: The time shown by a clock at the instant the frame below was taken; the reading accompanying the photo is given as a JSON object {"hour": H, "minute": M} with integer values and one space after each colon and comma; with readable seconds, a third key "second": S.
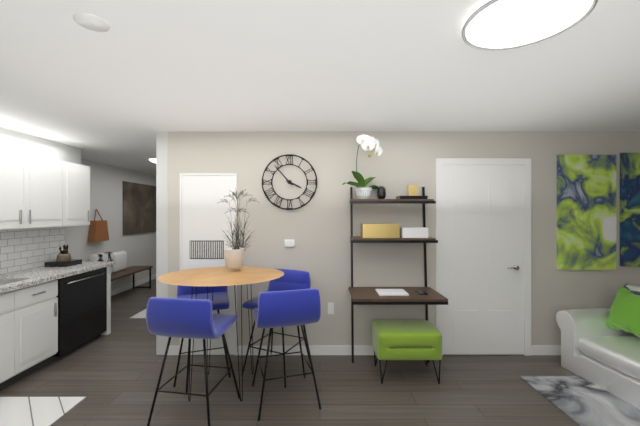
{"hour": 3, "minute": 53}
